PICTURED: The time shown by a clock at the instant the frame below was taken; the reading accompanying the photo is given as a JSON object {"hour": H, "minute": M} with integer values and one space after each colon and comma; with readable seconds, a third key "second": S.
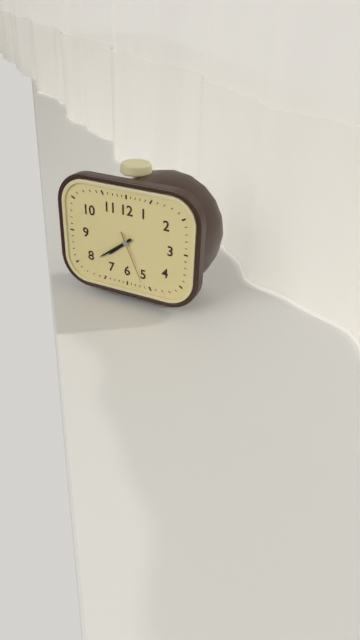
{"hour": 7, "minute": 39, "second": 26}
